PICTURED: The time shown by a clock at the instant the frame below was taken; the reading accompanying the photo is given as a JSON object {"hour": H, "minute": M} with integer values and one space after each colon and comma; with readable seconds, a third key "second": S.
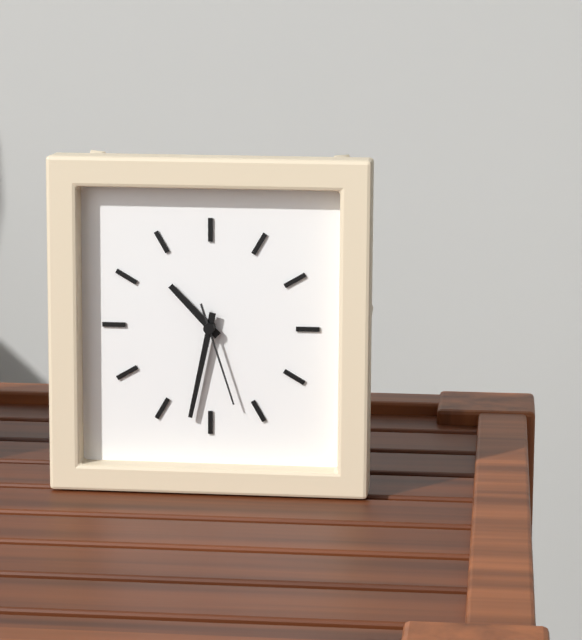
{"hour": 10, "minute": 32, "second": 27}
